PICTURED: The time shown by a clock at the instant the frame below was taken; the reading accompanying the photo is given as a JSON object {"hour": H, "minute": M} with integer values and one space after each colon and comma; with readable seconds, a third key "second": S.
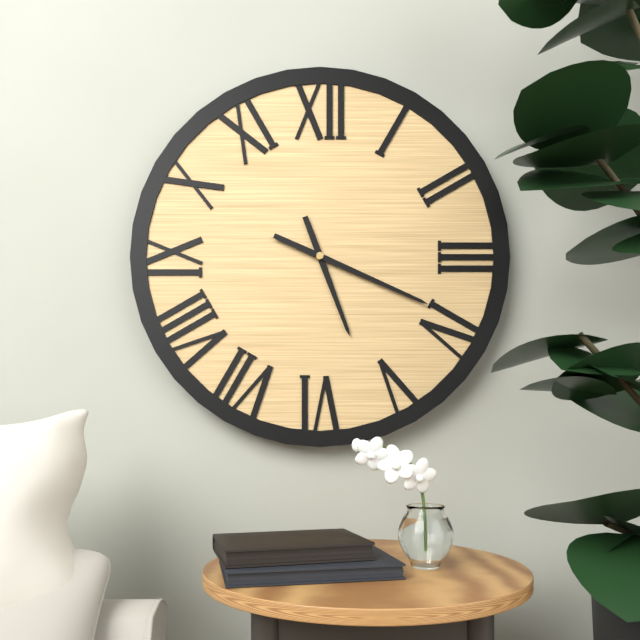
{"hour": 5, "minute": 19}
